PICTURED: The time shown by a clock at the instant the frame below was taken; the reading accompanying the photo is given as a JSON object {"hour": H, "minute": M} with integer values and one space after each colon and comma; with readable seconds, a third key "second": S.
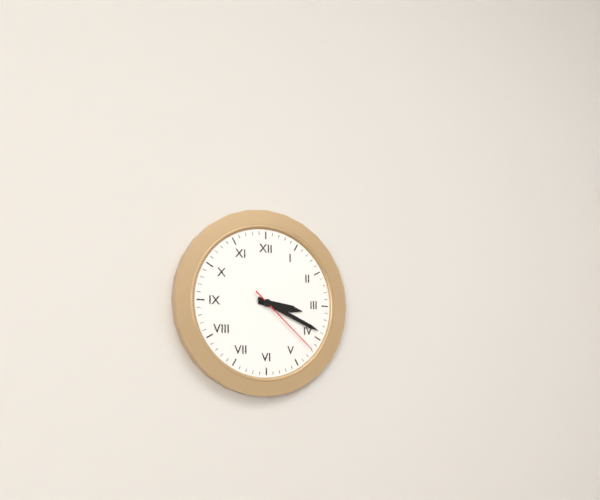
{"hour": 3, "minute": 19, "second": 22}
